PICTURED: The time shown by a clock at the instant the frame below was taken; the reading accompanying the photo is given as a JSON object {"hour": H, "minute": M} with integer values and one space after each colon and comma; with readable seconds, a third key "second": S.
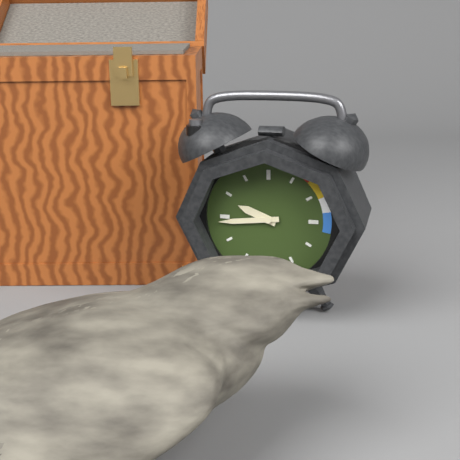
{"hour": 9, "minute": 44}
